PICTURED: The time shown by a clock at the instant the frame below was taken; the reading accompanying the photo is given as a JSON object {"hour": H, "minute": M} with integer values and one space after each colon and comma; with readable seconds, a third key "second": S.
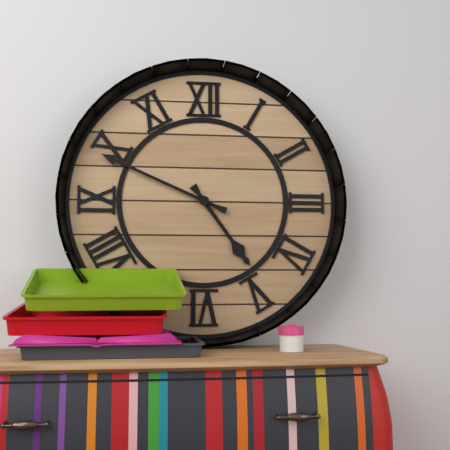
{"hour": 4, "minute": 49}
